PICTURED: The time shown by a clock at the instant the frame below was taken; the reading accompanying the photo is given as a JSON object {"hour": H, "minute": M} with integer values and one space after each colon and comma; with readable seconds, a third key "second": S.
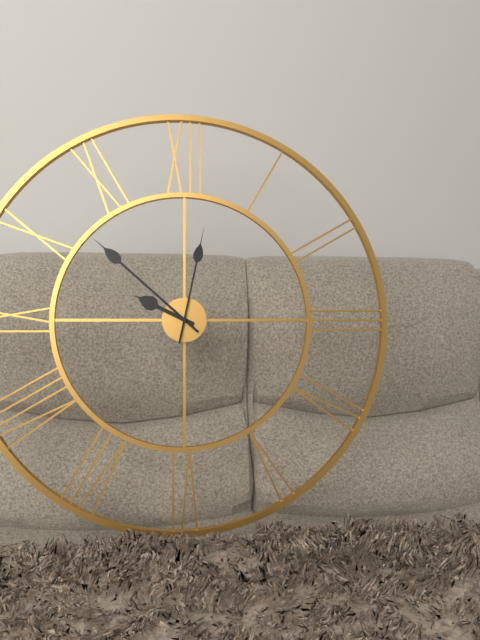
{"hour": 9, "minute": 52, "second": 2}
